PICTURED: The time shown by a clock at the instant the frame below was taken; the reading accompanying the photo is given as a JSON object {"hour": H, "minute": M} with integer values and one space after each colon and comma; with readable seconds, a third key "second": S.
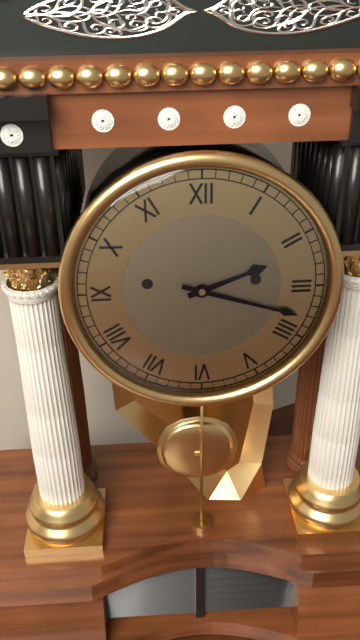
{"hour": 2, "minute": 18}
